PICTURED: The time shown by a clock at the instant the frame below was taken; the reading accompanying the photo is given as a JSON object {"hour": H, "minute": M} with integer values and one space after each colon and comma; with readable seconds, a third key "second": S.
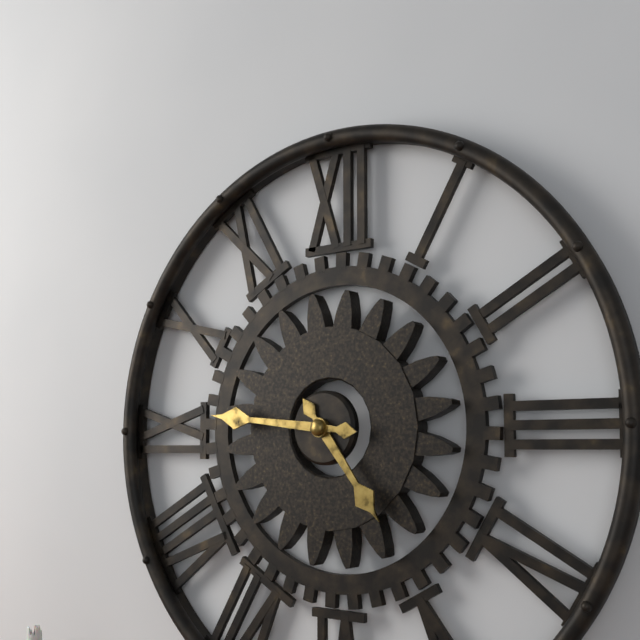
{"hour": 4, "minute": 46}
